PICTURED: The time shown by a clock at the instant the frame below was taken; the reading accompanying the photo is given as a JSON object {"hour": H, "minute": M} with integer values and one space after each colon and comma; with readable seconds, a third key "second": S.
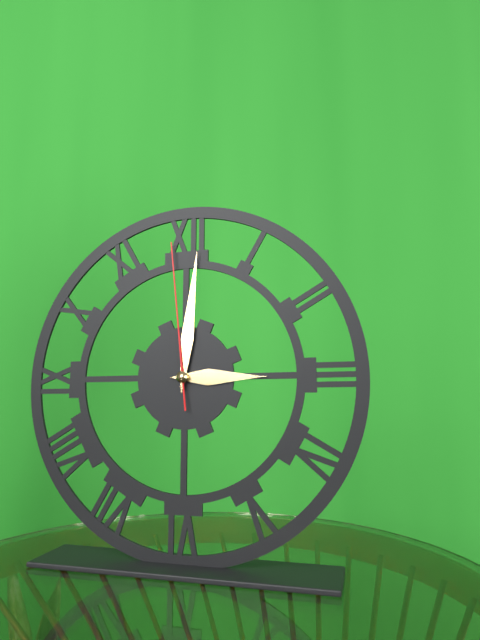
{"hour": 3, "minute": 1, "second": 59}
